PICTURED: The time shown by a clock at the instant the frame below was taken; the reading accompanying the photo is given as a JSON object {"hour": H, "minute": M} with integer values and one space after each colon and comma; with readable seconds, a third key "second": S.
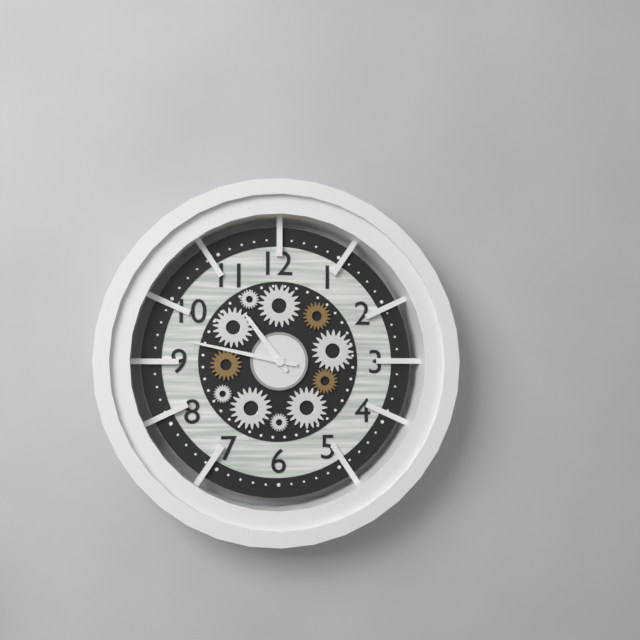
{"hour": 10, "minute": 47}
